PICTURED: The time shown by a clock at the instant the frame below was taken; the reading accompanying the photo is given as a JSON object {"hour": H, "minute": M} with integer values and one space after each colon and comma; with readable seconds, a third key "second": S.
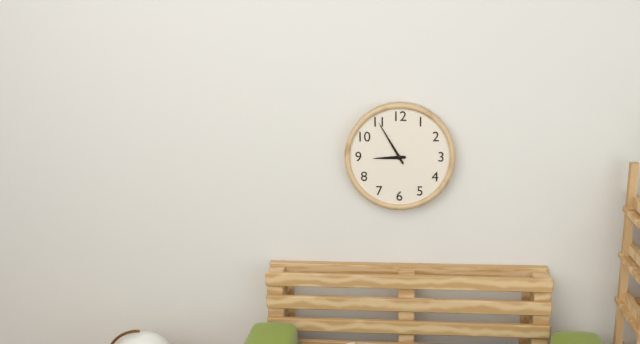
{"hour": 8, "minute": 55}
